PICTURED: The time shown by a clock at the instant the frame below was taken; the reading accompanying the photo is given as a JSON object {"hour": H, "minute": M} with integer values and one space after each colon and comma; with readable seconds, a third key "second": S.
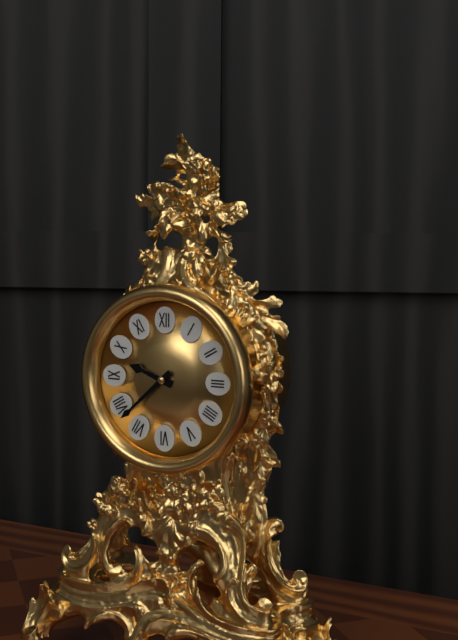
{"hour": 9, "minute": 38}
